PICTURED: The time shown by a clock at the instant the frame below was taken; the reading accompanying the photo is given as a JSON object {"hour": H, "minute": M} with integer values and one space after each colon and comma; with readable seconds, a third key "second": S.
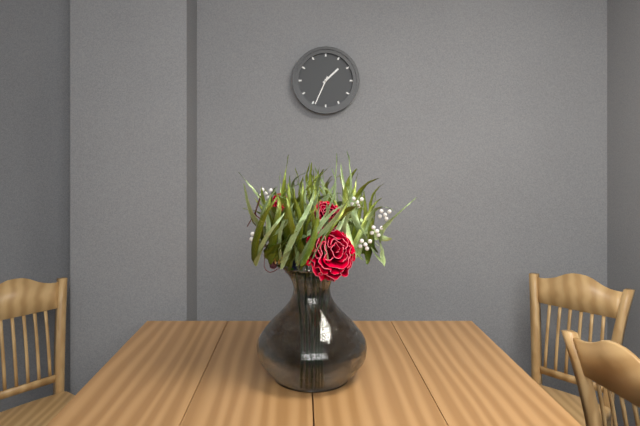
{"hour": 1, "minute": 34}
